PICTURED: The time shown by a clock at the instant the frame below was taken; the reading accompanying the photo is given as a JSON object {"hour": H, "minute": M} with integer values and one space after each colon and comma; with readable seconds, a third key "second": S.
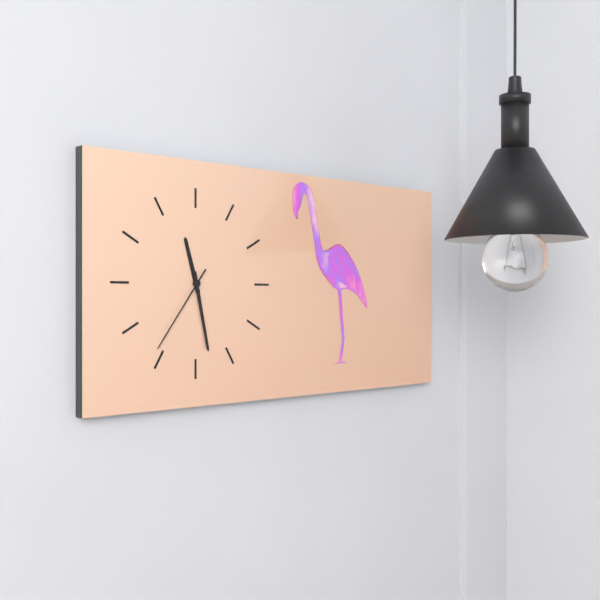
{"hour": 11, "minute": 28, "second": 36}
